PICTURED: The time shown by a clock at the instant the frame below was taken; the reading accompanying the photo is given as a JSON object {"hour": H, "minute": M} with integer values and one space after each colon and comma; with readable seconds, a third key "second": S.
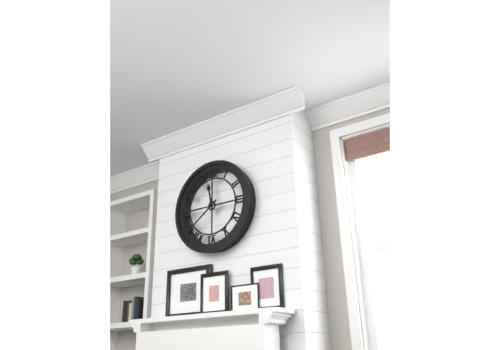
{"hour": 11, "minute": 39}
